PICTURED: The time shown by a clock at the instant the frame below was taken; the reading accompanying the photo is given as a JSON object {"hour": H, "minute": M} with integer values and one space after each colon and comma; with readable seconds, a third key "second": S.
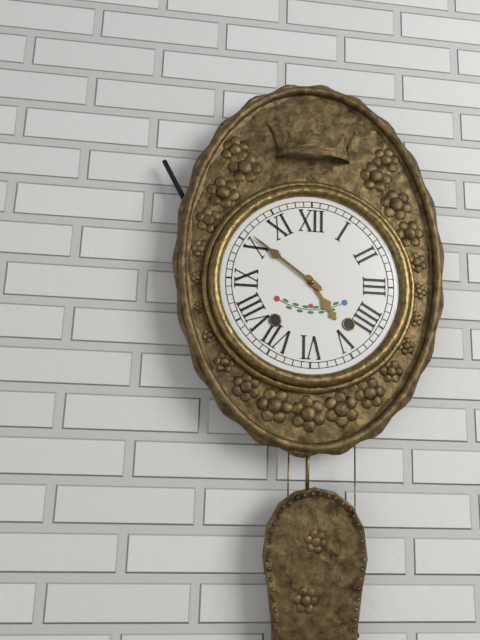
{"hour": 4, "minute": 51}
